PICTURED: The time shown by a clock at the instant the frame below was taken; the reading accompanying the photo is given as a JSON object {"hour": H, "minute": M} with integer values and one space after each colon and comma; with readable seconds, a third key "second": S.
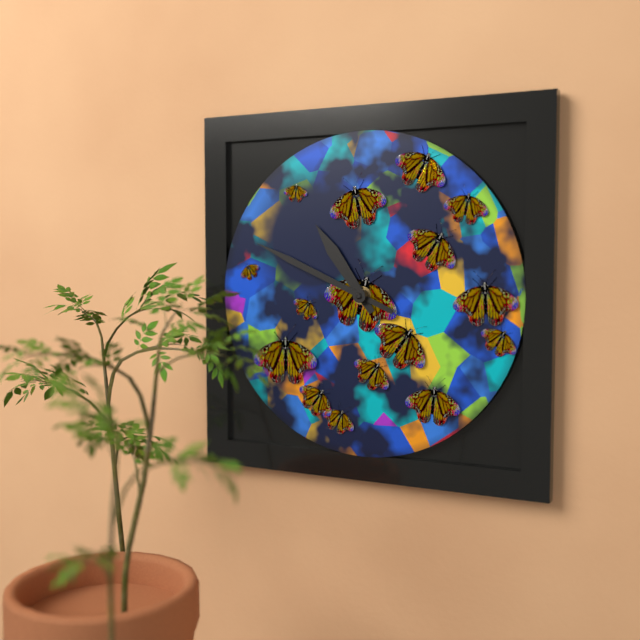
{"hour": 10, "minute": 49}
